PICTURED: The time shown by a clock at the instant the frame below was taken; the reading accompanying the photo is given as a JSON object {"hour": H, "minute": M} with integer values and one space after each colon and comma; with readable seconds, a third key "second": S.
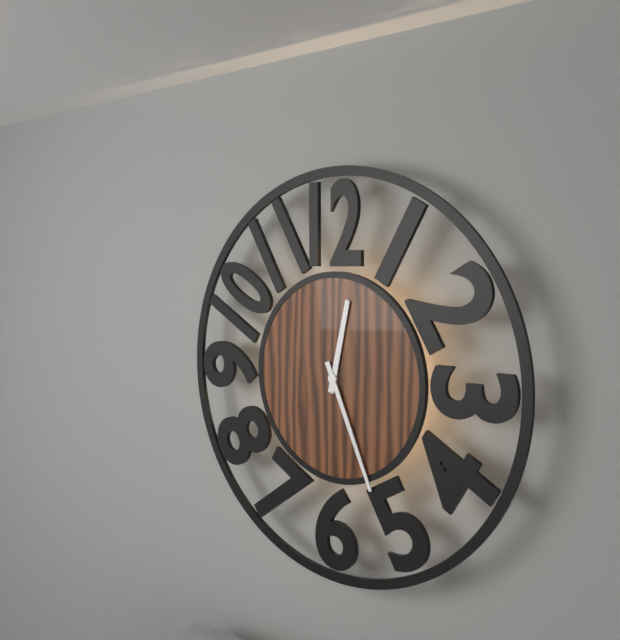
{"hour": 12, "minute": 26}
